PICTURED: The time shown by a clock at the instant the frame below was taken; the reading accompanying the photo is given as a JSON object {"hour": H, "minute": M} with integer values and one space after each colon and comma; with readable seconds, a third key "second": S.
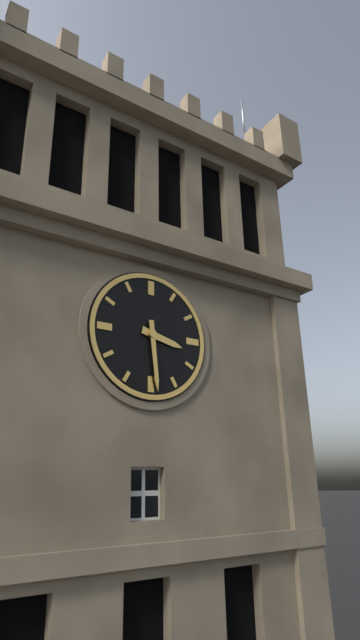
{"hour": 3, "minute": 29}
